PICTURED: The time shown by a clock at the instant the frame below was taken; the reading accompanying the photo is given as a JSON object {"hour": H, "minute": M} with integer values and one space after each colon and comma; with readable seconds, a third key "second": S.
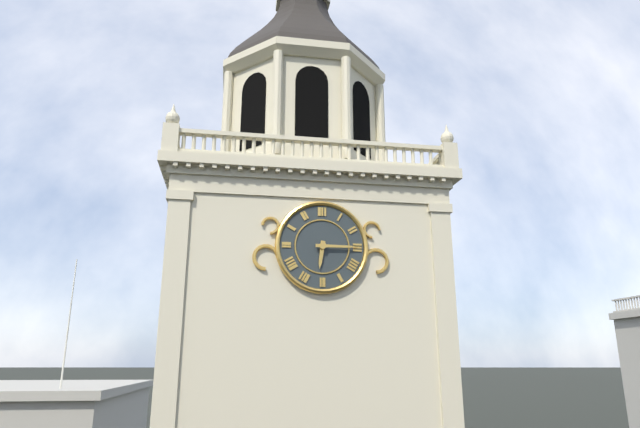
{"hour": 6, "minute": 15}
